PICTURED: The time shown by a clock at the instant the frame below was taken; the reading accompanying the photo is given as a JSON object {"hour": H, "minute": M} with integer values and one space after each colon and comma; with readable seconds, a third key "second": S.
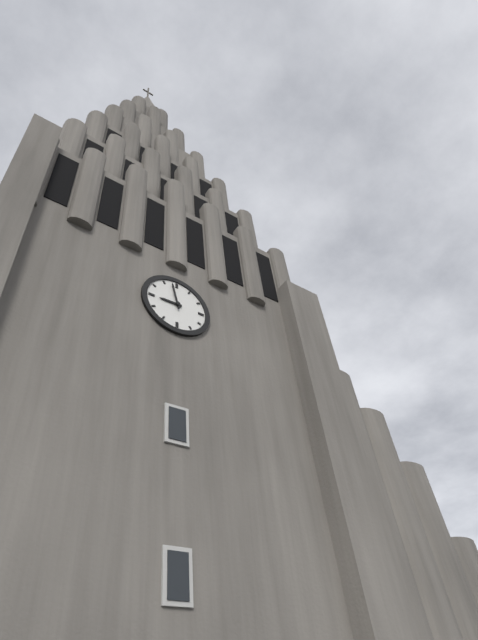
{"hour": 8, "minute": 58}
